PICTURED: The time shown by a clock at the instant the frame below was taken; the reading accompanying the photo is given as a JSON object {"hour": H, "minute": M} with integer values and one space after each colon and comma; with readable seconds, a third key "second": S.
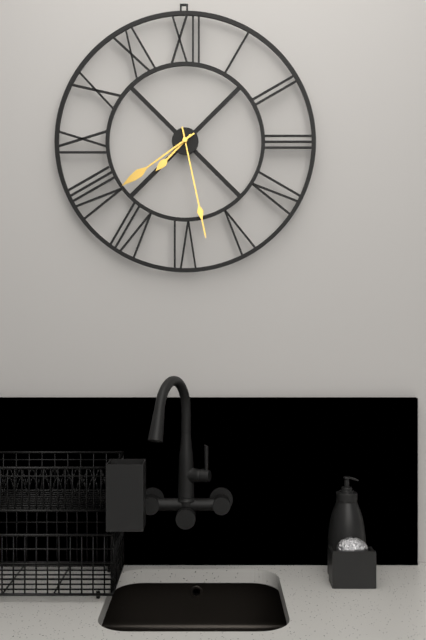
{"hour": 7, "minute": 28, "second": 39}
